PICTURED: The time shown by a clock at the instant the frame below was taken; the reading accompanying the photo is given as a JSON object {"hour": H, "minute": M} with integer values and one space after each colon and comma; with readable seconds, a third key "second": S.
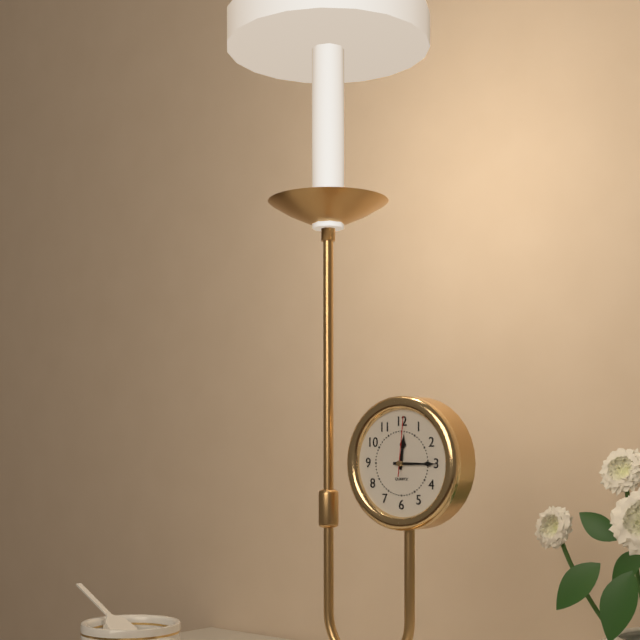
{"hour": 12, "minute": 15, "second": 1}
